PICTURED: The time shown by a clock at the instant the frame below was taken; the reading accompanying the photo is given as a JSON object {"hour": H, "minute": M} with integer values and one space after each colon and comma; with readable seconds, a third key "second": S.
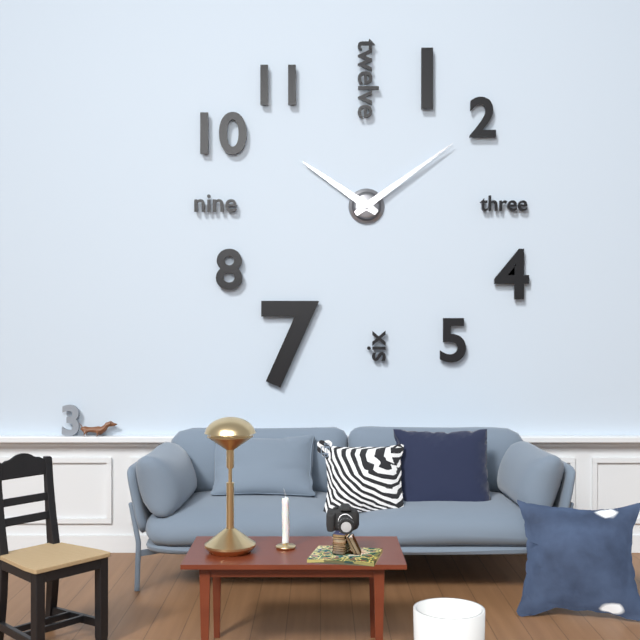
{"hour": 10, "minute": 9}
